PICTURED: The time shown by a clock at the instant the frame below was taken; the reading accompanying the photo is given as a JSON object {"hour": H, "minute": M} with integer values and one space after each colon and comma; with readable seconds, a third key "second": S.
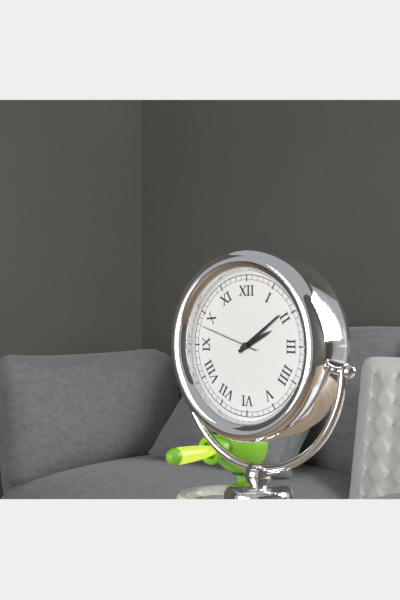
{"hour": 2, "minute": 9, "second": 48}
